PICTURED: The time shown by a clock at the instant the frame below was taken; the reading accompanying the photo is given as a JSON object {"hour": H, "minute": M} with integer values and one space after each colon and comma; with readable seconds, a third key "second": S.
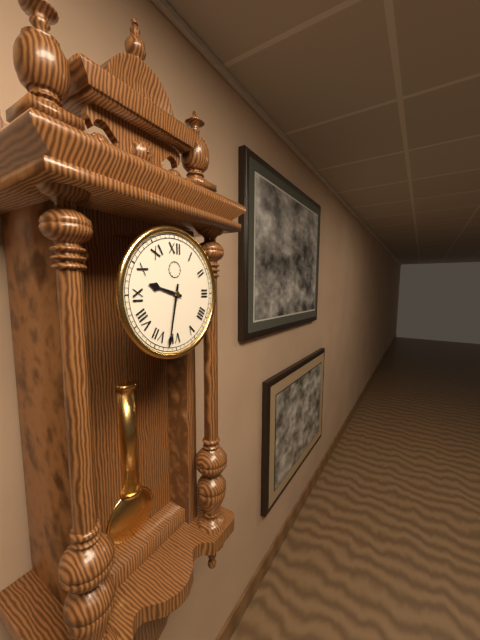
{"hour": 9, "minute": 32}
